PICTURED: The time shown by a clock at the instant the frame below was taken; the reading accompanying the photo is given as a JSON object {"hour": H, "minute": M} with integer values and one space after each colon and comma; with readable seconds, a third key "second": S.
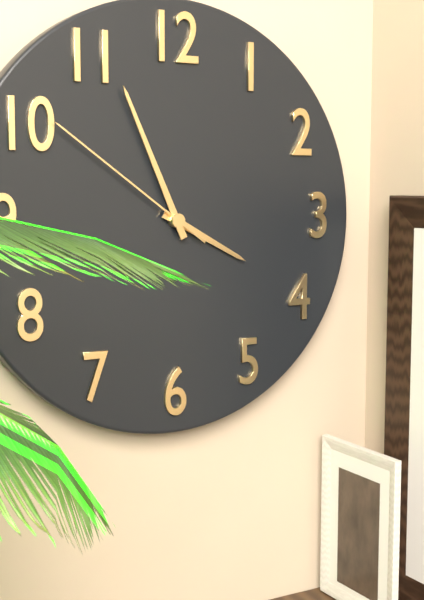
{"hour": 3, "minute": 56, "second": 51}
